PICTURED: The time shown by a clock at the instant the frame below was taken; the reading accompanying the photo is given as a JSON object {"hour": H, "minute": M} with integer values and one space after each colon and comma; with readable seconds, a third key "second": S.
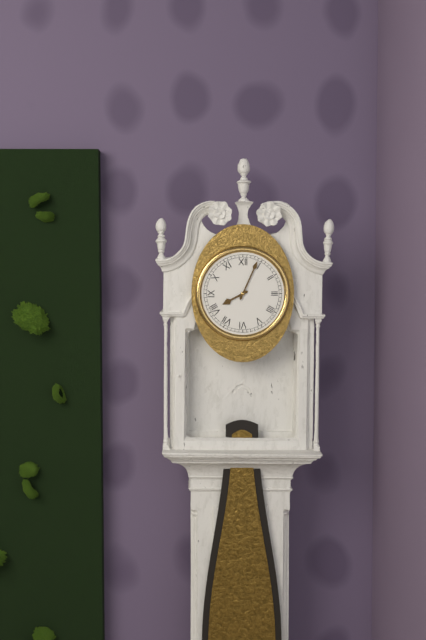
{"hour": 8, "minute": 4}
